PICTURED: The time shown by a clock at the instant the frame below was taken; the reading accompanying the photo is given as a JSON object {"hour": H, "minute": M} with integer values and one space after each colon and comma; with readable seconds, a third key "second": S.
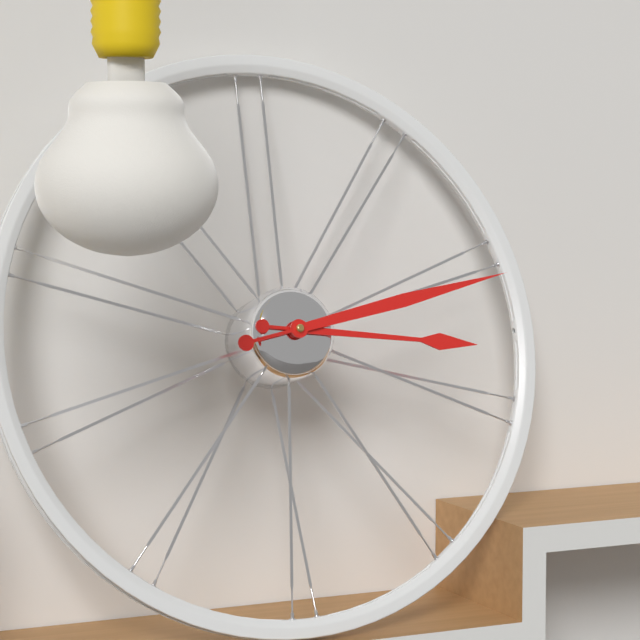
{"hour": 3, "minute": 13}
